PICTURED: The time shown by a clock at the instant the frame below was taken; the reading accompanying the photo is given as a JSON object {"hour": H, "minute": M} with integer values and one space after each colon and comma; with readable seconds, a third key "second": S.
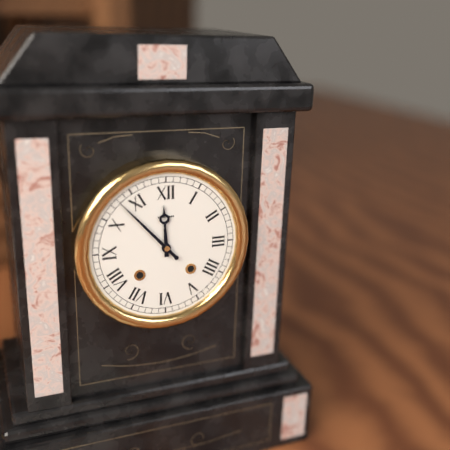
{"hour": 11, "minute": 53}
